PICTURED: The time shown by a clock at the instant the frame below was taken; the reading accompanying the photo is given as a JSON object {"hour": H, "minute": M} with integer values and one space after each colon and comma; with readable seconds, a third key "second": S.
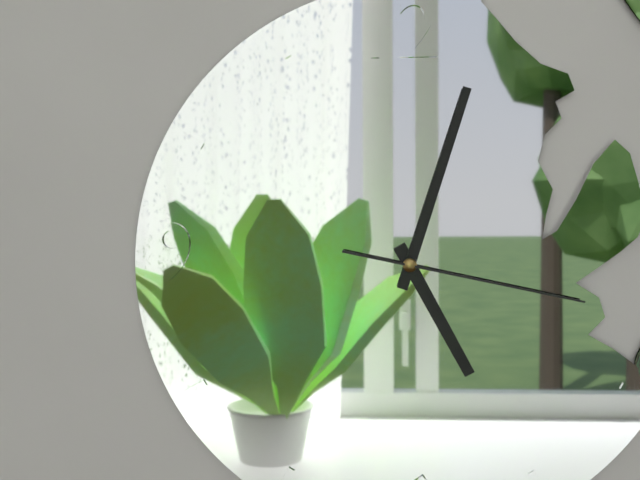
{"hour": 5, "minute": 3, "second": 17}
